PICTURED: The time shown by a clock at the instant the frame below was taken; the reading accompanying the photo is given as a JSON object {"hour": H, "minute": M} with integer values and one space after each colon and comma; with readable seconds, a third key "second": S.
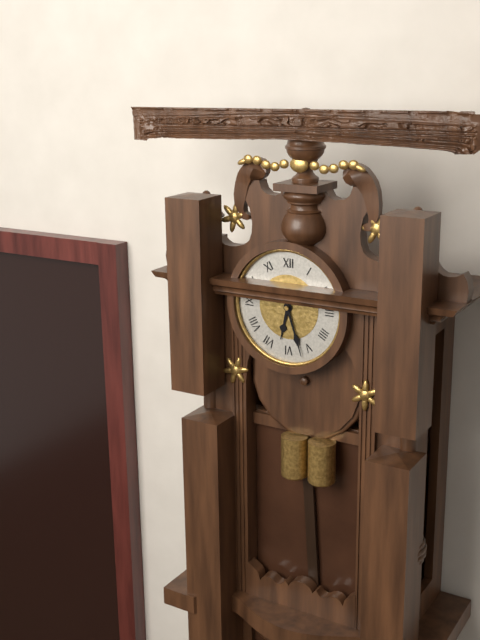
{"hour": 6, "minute": 27}
